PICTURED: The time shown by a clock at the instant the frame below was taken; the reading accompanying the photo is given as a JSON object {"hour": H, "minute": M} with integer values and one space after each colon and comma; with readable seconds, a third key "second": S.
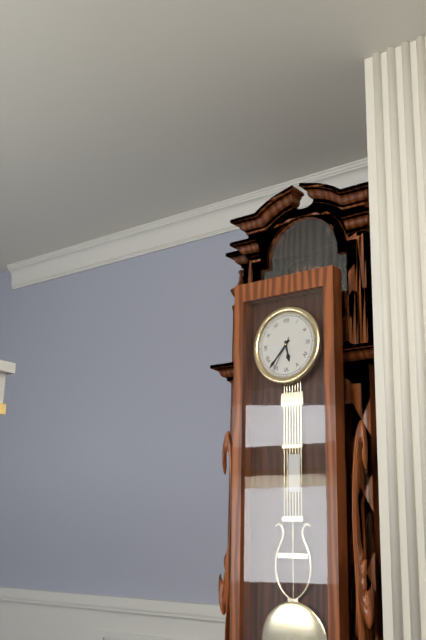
{"hour": 5, "minute": 37}
